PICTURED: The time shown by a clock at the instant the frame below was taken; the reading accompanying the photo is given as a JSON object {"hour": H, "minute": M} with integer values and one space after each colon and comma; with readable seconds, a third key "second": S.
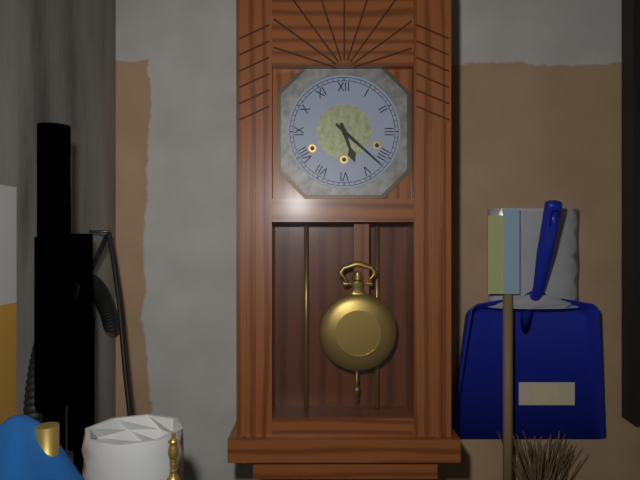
{"hour": 5, "minute": 22}
